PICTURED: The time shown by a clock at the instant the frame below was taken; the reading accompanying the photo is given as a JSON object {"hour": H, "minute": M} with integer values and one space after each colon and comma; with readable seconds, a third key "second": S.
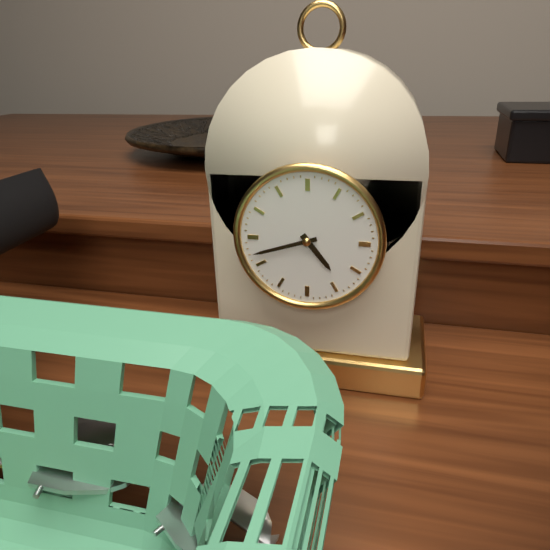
{"hour": 4, "minute": 42}
